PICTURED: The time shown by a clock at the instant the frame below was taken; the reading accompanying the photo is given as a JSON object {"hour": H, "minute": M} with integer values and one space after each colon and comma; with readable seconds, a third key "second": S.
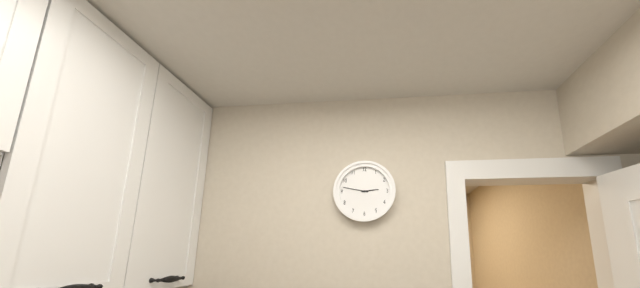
{"hour": 2, "minute": 47}
